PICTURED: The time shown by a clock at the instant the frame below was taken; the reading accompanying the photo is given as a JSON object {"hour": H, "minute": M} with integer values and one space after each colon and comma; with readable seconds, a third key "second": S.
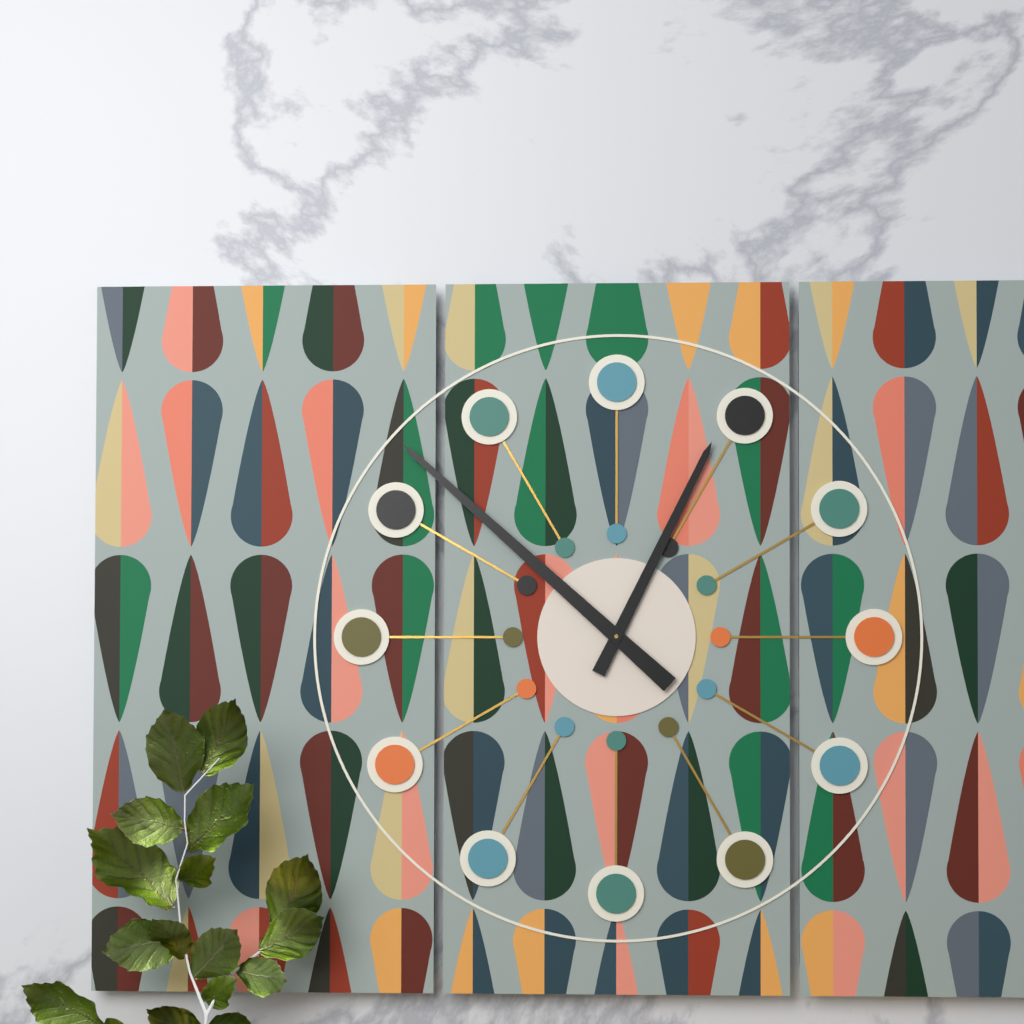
{"hour": 12, "minute": 52}
